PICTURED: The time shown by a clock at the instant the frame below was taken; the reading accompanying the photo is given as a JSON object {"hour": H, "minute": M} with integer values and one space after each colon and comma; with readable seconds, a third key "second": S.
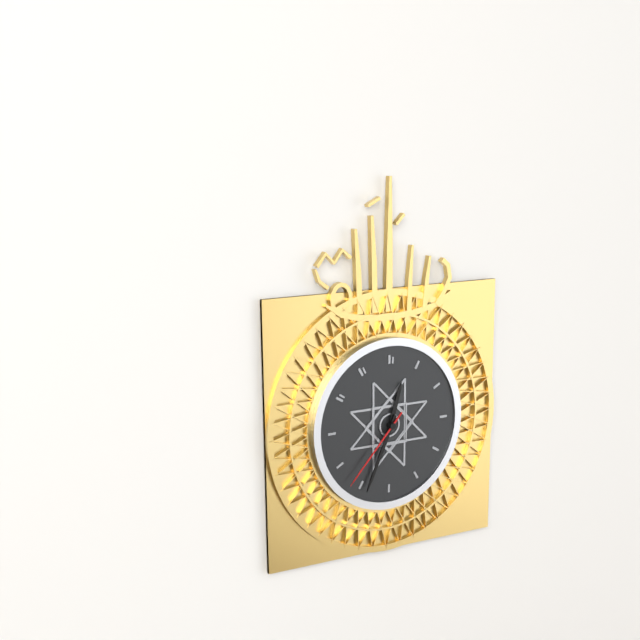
{"hour": 12, "minute": 34, "second": 37}
